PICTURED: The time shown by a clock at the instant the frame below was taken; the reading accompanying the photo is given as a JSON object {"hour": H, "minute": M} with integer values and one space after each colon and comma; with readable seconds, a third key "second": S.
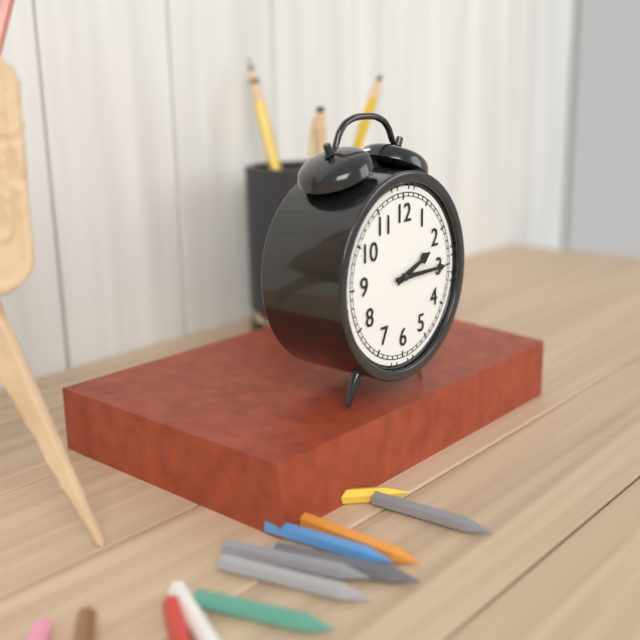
{"hour": 2, "minute": 15}
